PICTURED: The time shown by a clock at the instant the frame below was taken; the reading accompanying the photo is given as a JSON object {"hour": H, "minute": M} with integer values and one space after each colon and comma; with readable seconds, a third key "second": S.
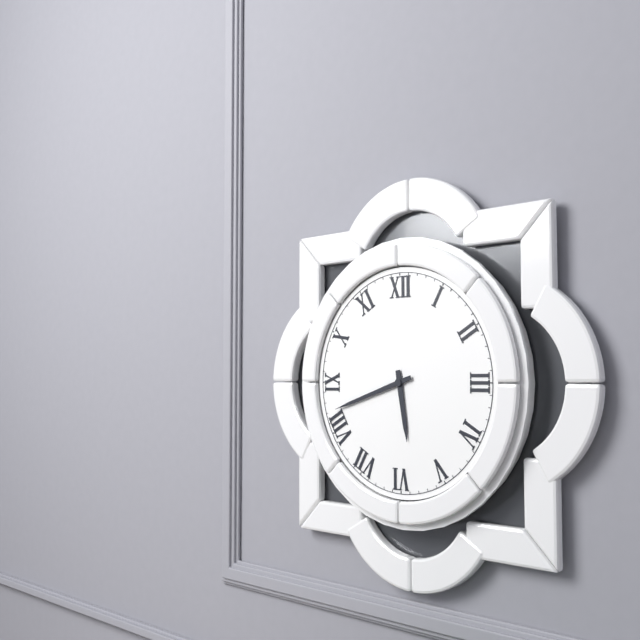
{"hour": 5, "minute": 42}
